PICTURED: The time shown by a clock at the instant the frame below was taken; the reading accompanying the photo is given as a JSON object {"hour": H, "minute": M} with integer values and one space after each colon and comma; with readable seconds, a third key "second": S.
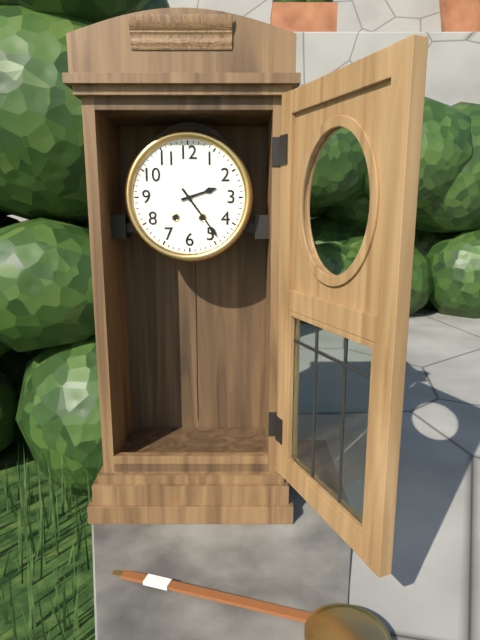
{"hour": 2, "minute": 24}
